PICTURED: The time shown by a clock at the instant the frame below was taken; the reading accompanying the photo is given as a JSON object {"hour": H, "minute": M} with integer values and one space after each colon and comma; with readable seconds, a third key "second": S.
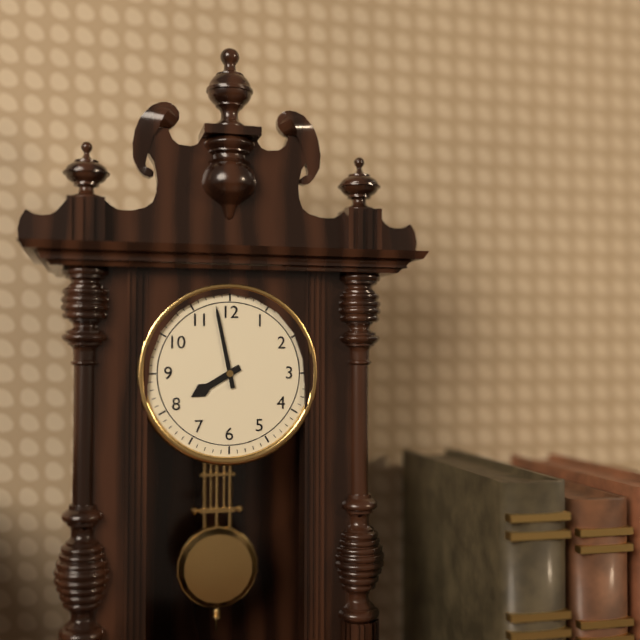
{"hour": 7, "minute": 58}
